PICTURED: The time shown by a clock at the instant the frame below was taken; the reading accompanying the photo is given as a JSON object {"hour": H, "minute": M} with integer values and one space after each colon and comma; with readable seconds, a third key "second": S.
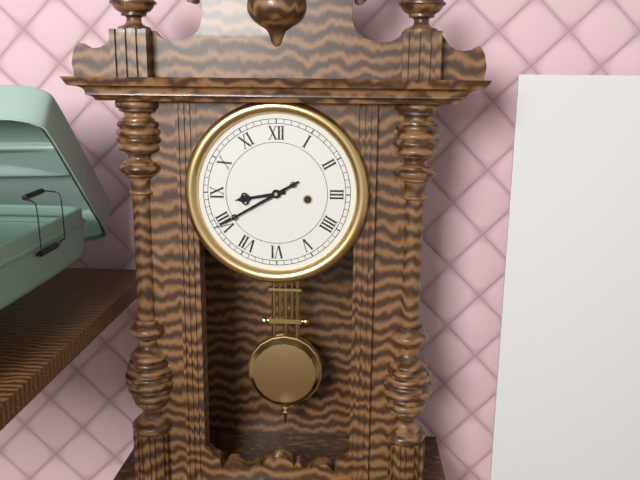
{"hour": 8, "minute": 40}
